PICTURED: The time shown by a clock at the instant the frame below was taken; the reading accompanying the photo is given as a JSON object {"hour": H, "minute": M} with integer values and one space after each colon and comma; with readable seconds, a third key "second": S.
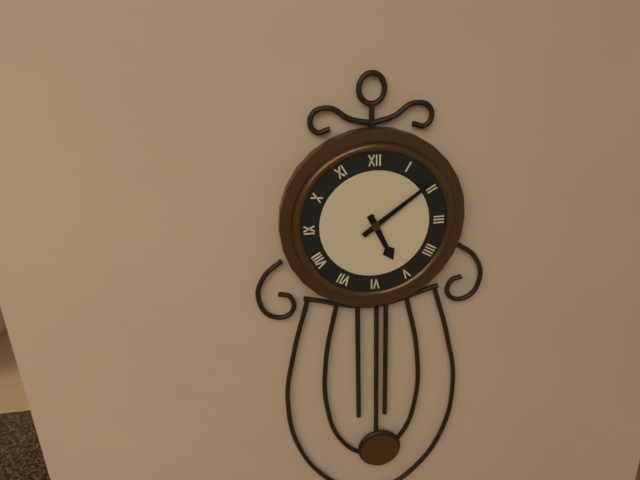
{"hour": 5, "minute": 9}
